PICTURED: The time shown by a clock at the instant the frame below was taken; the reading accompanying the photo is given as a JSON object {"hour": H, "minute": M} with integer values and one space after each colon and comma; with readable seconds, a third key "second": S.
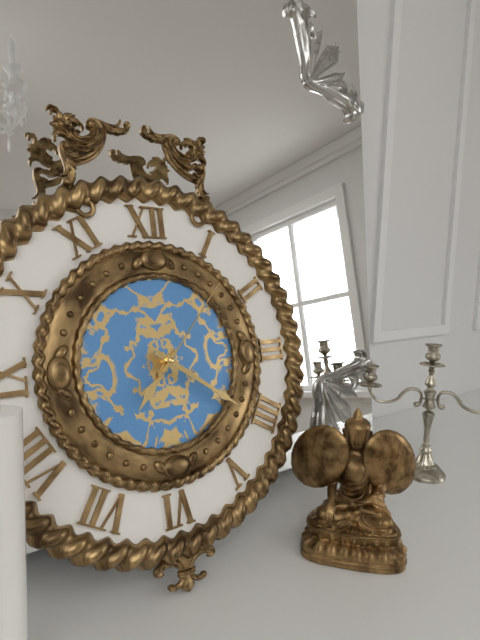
{"hour": 7, "minute": 21, "second": 7}
